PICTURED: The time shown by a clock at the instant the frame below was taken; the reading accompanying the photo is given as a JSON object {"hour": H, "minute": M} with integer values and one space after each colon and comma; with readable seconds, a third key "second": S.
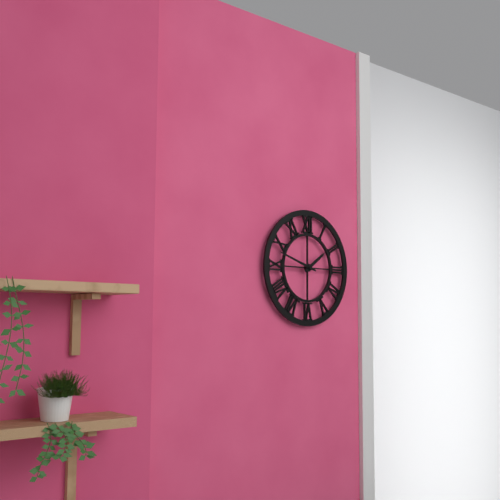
{"hour": 1, "minute": 48}
